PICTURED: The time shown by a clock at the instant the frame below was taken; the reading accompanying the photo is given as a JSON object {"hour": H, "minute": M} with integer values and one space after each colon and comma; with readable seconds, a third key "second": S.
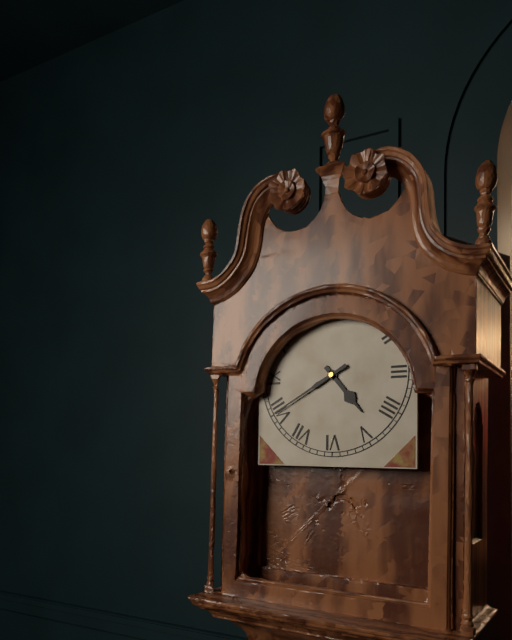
{"hour": 4, "minute": 40}
